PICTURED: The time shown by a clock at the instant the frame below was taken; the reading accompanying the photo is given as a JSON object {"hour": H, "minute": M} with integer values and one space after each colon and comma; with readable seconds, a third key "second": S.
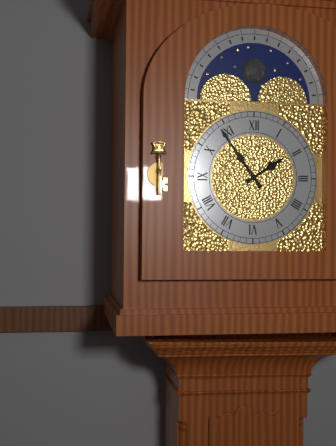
{"hour": 1, "minute": 54}
